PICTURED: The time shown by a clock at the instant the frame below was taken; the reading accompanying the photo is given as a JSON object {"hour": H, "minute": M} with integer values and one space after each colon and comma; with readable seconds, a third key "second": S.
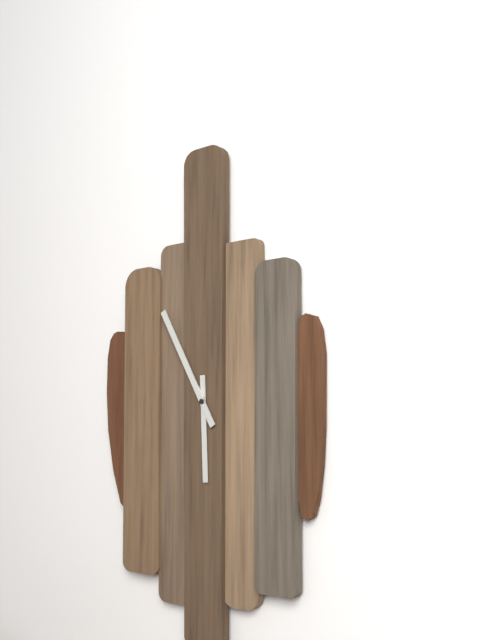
{"hour": 5, "minute": 55}
